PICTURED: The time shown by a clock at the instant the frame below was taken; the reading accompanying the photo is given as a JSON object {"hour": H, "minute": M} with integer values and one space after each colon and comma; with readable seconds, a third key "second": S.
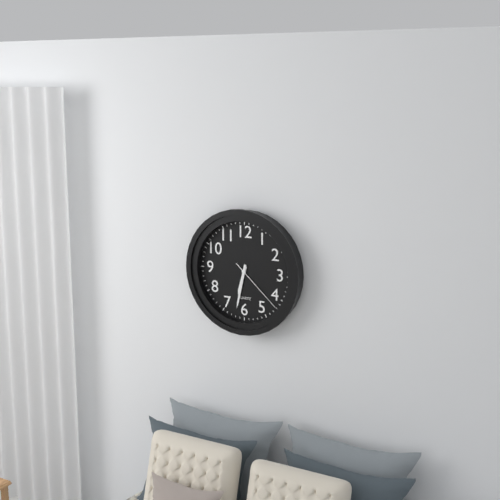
{"hour": 6, "minute": 32, "second": 22}
